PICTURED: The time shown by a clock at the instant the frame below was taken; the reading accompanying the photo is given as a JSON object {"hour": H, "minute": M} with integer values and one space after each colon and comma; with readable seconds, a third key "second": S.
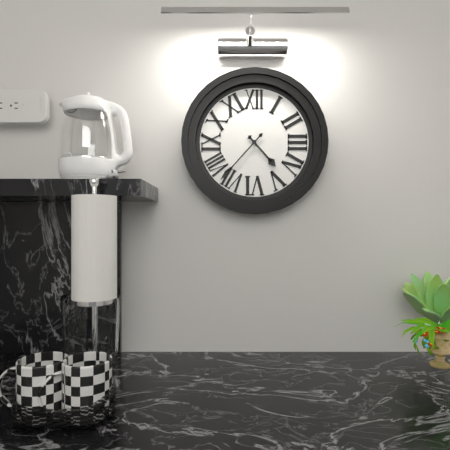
{"hour": 4, "minute": 37}
